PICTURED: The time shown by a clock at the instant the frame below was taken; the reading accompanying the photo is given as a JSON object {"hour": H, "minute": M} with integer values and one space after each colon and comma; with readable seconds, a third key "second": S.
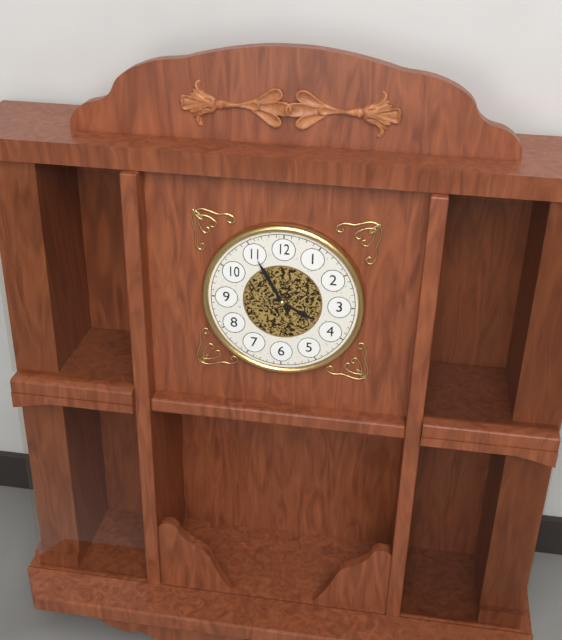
{"hour": 3, "minute": 55}
